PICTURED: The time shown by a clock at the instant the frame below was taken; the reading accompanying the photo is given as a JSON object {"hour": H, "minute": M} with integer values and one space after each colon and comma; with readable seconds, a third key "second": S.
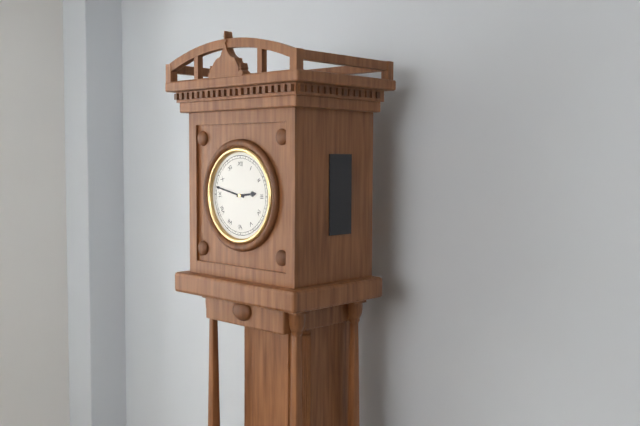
{"hour": 2, "minute": 47}
